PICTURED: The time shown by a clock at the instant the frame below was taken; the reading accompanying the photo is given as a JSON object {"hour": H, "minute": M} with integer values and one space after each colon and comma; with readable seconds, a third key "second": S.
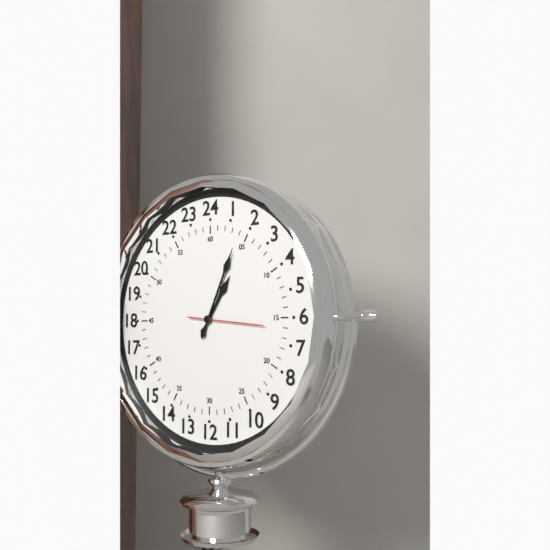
{"hour": 1, "minute": 4, "second": 16}
